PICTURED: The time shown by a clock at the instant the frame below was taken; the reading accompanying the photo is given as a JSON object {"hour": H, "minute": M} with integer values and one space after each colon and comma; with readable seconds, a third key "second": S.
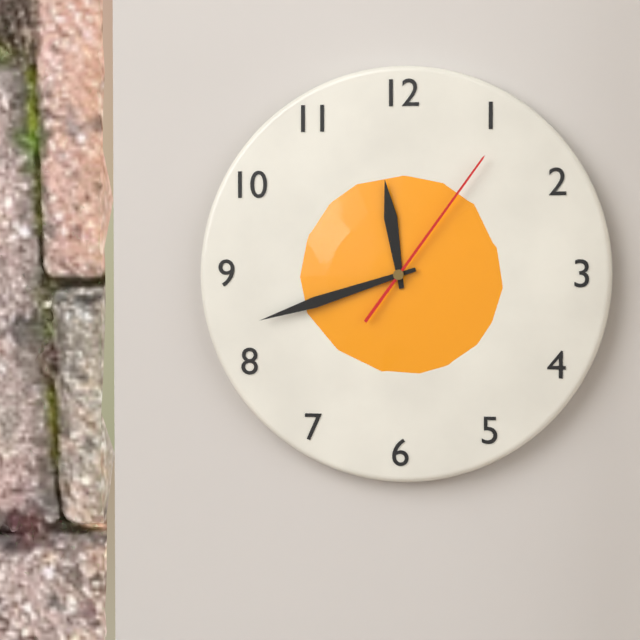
{"hour": 11, "minute": 42, "second": 6}
